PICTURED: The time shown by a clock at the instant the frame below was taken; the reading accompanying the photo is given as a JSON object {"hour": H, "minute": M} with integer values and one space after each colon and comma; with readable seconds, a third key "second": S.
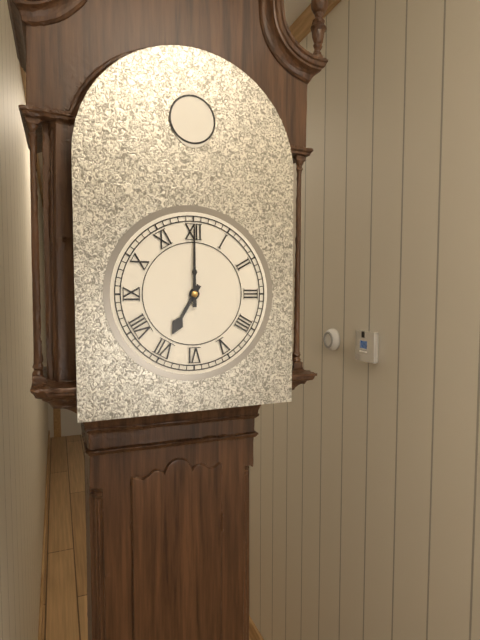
{"hour": 7, "minute": 0}
